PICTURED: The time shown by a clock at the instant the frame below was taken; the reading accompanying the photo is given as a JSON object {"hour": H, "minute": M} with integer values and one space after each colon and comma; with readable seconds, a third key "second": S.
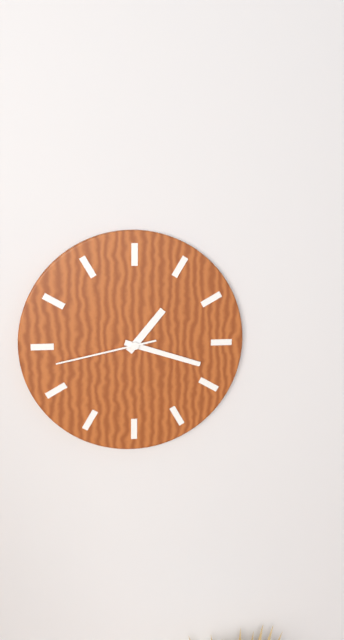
{"hour": 1, "minute": 18, "second": 43}
